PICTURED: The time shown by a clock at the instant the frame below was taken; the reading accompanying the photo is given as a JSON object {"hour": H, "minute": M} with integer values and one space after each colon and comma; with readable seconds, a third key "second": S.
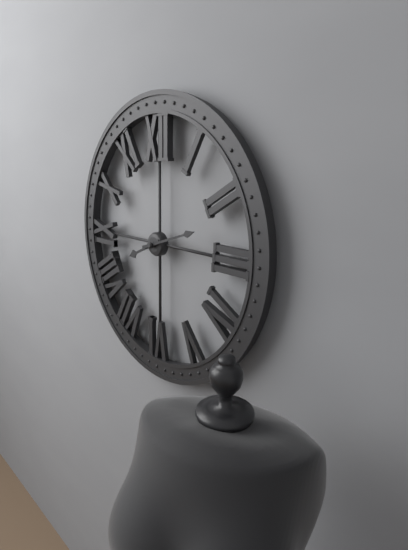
{"hour": 8, "minute": 12}
